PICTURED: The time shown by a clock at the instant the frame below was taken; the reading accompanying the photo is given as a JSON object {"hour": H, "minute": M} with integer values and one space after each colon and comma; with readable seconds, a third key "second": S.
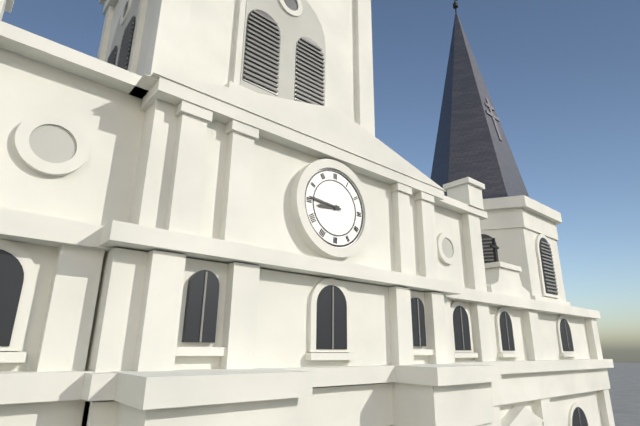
{"hour": 8, "minute": 46}
